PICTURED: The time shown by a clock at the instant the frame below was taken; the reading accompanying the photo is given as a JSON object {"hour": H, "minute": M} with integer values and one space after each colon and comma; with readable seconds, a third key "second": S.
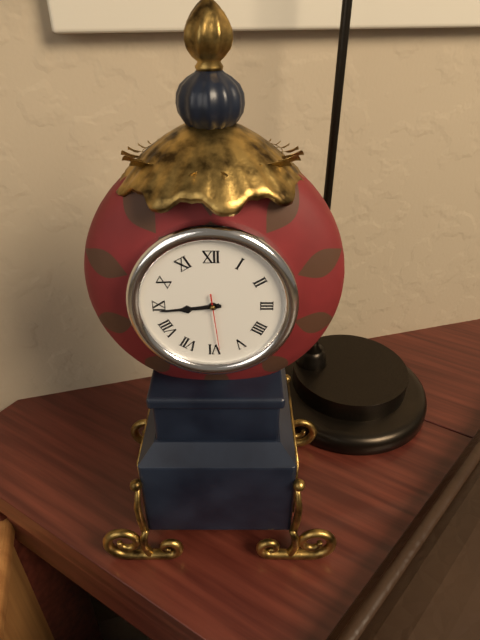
{"hour": 8, "minute": 44, "second": 29}
